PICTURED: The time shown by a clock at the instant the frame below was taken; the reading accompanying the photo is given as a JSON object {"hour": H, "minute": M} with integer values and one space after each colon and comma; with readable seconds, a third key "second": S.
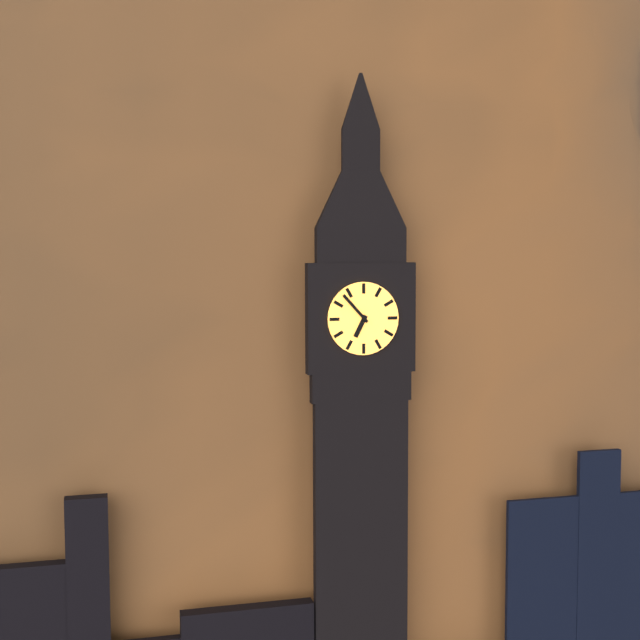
{"hour": 6, "minute": 53}
